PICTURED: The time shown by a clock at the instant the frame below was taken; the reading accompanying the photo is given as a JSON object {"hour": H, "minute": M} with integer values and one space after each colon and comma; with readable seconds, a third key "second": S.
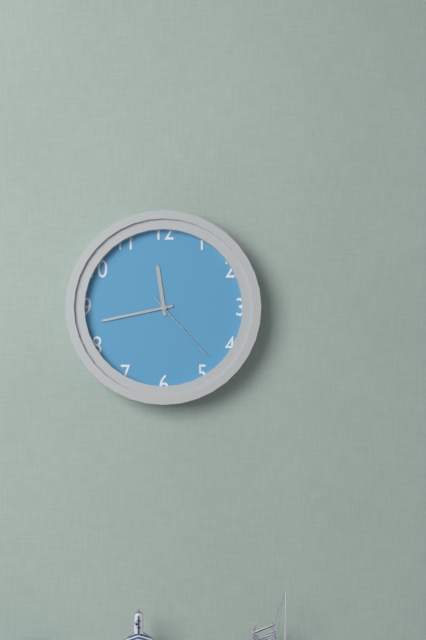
{"hour": 11, "minute": 43, "second": 23}
